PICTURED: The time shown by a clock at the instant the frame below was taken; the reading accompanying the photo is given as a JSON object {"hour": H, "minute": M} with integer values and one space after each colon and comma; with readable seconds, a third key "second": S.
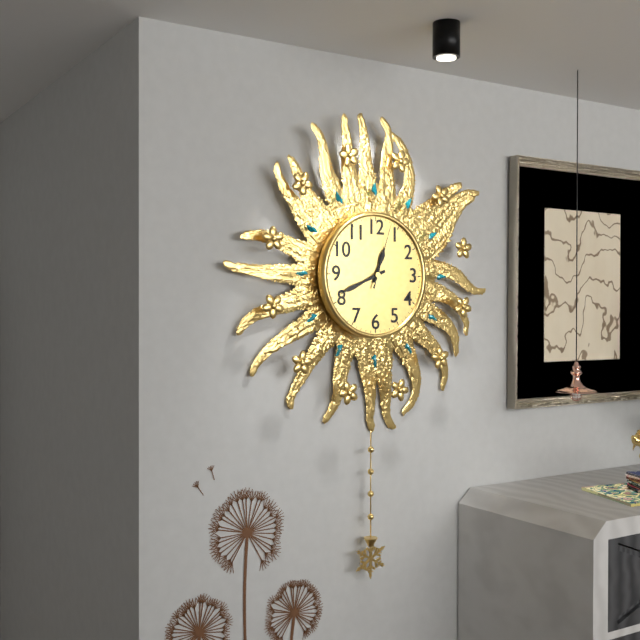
{"hour": 12, "minute": 41, "second": 3}
